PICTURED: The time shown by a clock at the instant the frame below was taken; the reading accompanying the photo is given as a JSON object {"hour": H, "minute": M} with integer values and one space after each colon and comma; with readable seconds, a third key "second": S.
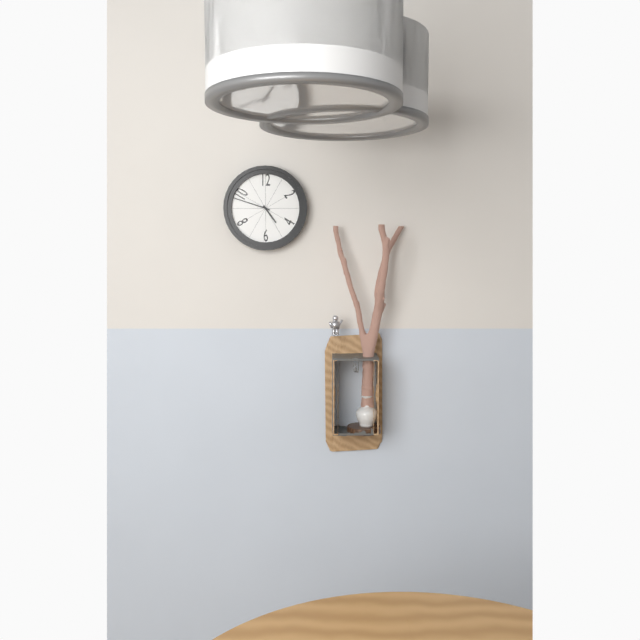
{"hour": 4, "minute": 48}
